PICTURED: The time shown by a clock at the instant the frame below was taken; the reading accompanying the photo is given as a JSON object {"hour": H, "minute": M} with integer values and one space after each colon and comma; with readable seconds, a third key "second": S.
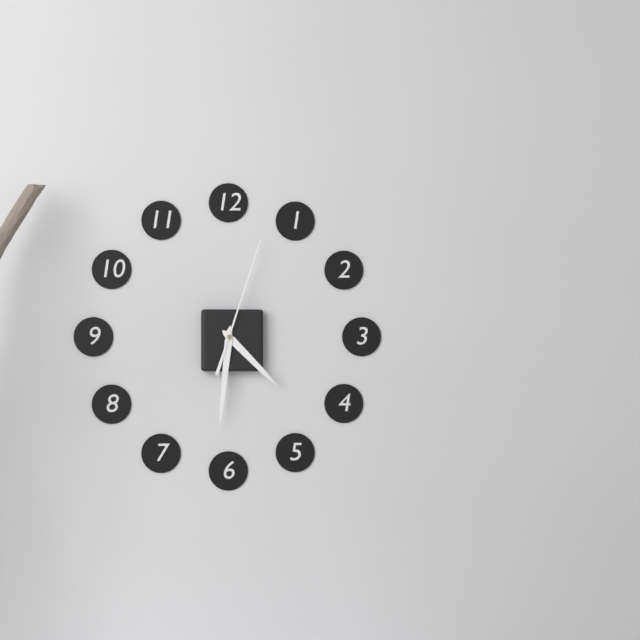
{"hour": 4, "minute": 31, "second": 3}
